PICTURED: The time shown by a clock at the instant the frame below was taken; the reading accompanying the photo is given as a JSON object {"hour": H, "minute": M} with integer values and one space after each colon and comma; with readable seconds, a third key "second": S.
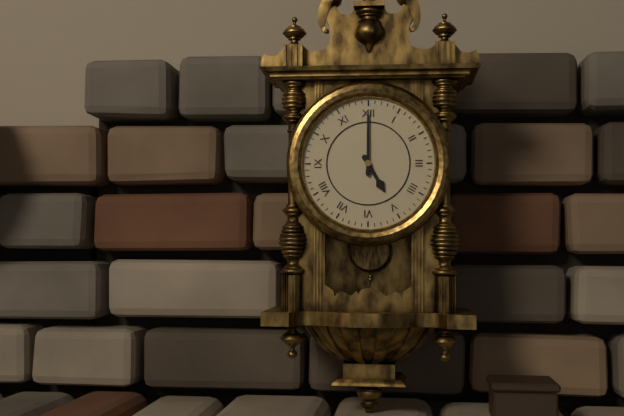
{"hour": 5, "minute": 0}
